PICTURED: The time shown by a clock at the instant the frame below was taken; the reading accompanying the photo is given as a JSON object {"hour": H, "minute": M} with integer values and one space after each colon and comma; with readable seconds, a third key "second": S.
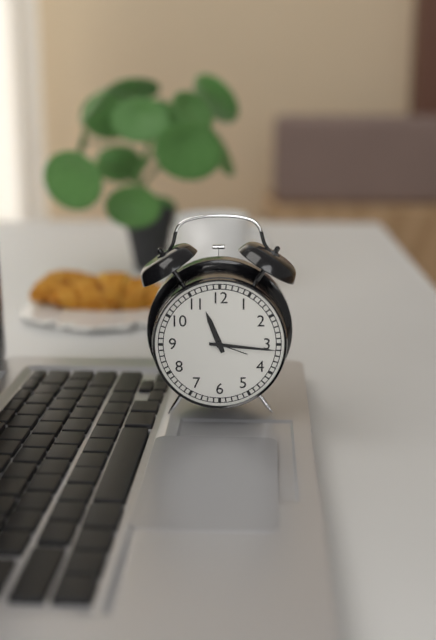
{"hour": 11, "minute": 16}
